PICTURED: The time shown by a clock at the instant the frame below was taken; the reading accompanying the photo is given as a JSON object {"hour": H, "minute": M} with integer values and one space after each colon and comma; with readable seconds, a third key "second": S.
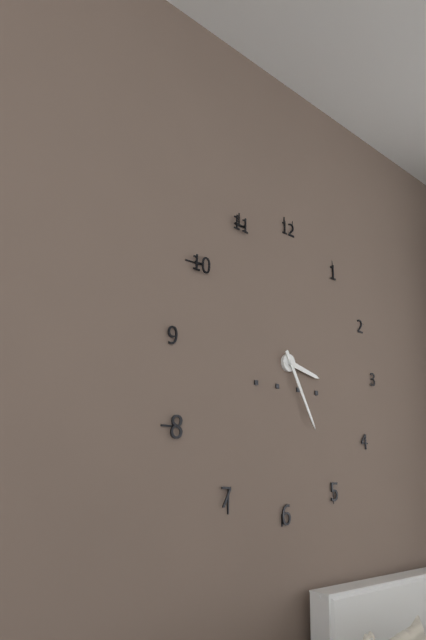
{"hour": 3, "minute": 25}
